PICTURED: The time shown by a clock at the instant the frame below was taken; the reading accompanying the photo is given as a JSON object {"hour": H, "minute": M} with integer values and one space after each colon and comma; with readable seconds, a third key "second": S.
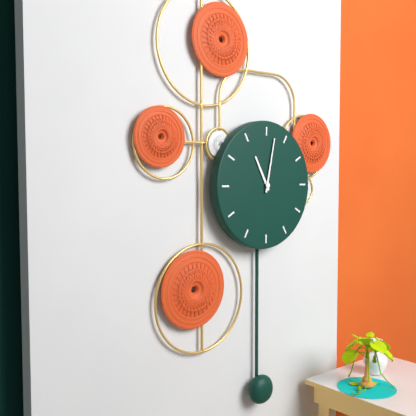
{"hour": 11, "minute": 2}
